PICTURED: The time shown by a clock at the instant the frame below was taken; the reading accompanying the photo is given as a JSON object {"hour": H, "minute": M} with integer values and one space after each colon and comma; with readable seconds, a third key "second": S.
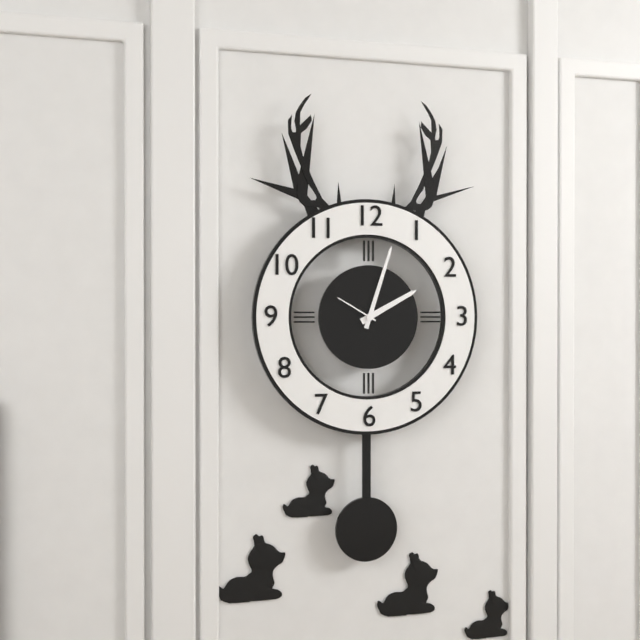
{"hour": 2, "minute": 3}
